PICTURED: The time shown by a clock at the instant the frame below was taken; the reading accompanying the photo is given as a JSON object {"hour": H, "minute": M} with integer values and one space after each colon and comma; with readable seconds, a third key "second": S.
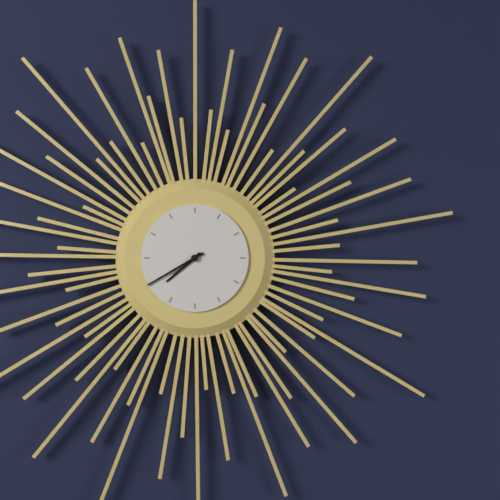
{"hour": 7, "minute": 40}
